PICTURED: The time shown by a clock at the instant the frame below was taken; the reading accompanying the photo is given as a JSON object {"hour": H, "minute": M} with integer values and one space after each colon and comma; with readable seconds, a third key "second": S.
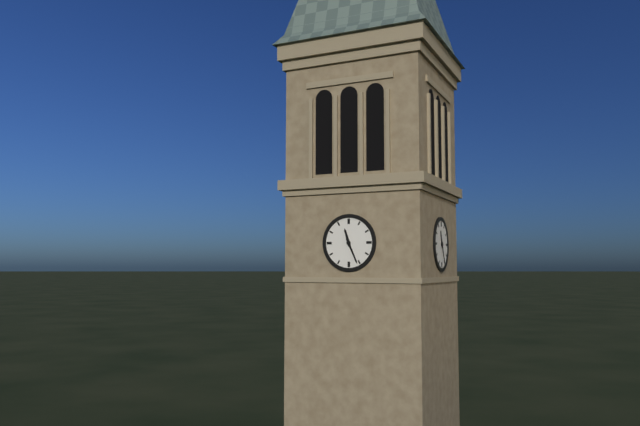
{"hour": 11, "minute": 26}
